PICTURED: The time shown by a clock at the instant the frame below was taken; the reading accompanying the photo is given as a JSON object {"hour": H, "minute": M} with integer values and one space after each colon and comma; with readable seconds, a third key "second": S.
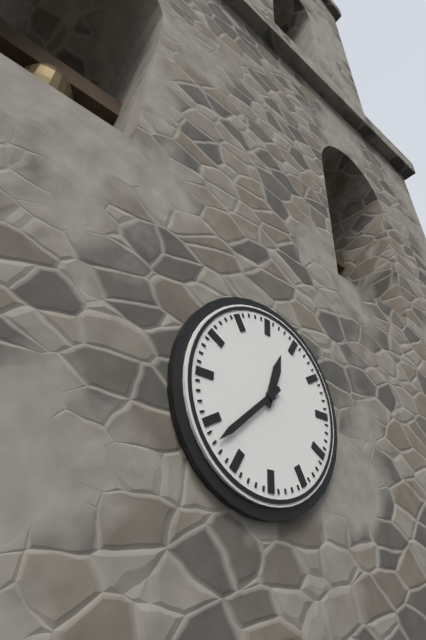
{"hour": 12, "minute": 38}
